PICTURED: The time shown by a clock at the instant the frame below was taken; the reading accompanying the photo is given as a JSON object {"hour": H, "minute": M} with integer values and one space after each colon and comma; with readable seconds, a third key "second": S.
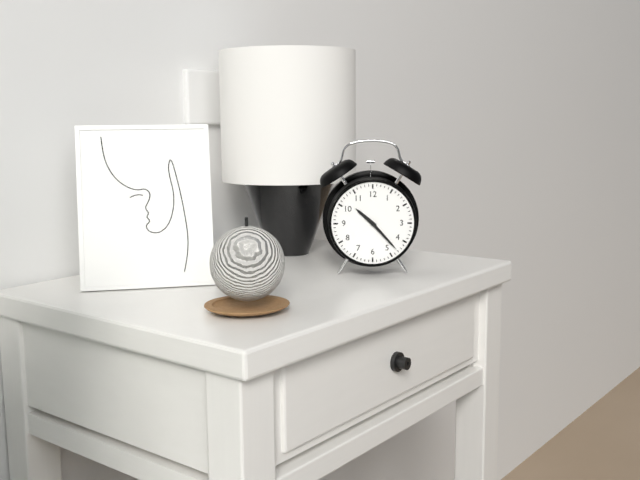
{"hour": 10, "minute": 23}
